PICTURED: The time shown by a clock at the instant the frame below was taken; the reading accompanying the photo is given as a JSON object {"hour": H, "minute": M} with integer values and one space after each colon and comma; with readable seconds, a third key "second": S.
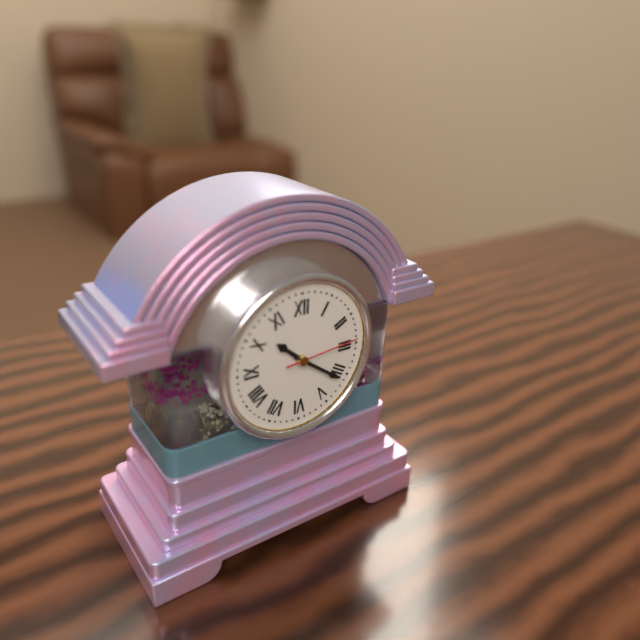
{"hour": 10, "minute": 21, "second": 14}
